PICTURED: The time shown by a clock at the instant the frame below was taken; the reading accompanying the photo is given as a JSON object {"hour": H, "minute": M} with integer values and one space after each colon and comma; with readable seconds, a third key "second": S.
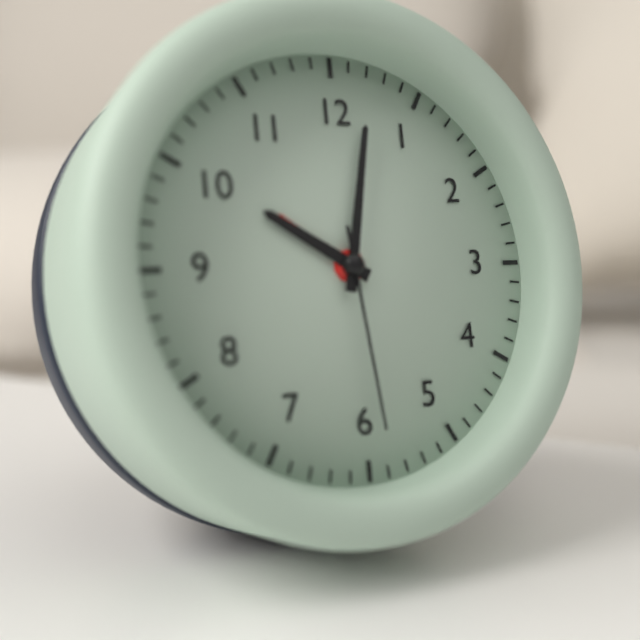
{"hour": 10, "minute": 2, "second": 29}
